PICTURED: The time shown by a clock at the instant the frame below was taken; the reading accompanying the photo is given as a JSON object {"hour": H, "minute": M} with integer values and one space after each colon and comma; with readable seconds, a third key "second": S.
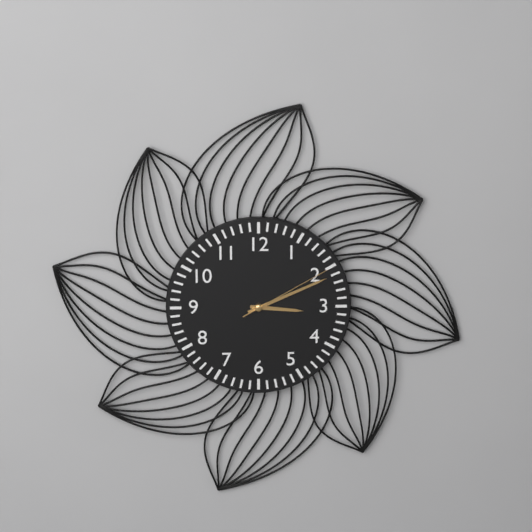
{"hour": 3, "minute": 11, "second": 10}
